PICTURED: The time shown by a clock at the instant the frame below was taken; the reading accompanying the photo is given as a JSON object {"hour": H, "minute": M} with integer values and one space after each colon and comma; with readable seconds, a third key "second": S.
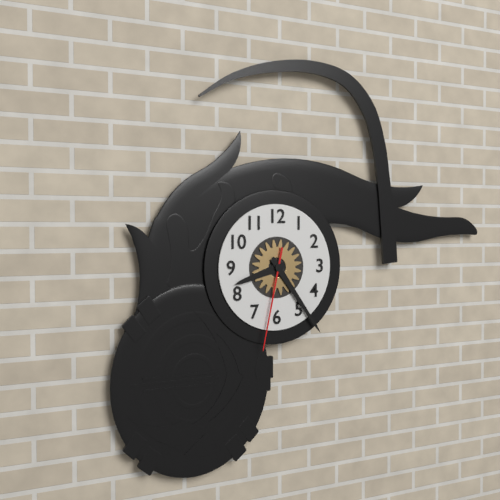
{"hour": 8, "minute": 24, "second": 32}
